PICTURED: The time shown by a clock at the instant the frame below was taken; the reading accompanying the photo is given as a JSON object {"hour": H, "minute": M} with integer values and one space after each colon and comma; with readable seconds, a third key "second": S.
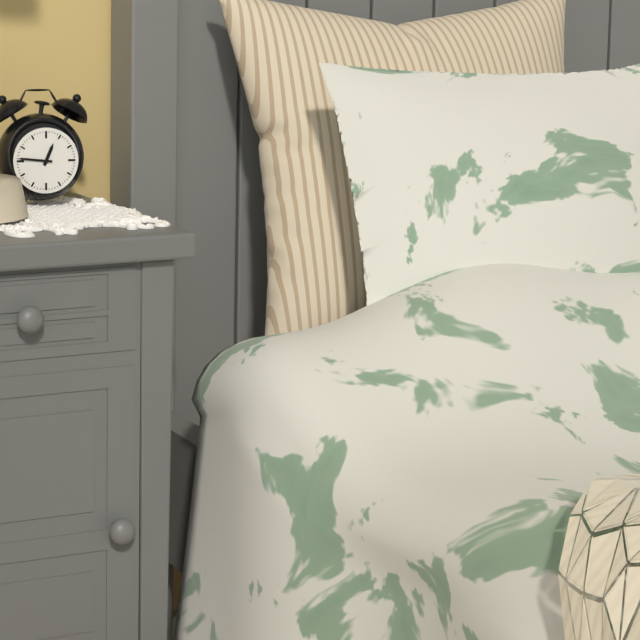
{"hour": 12, "minute": 46}
